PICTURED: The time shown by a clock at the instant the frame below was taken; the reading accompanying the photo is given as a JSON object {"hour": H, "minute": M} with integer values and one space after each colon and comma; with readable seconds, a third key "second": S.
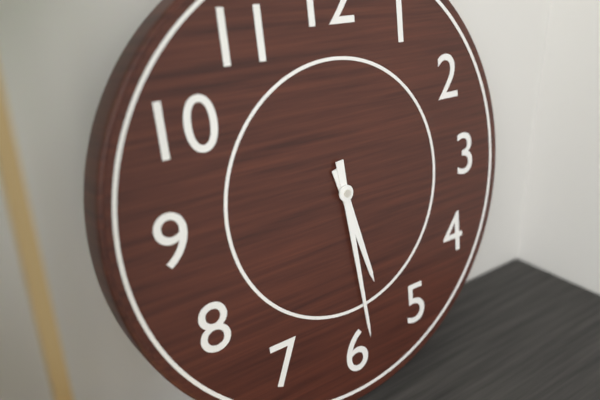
{"hour": 5, "minute": 29}
